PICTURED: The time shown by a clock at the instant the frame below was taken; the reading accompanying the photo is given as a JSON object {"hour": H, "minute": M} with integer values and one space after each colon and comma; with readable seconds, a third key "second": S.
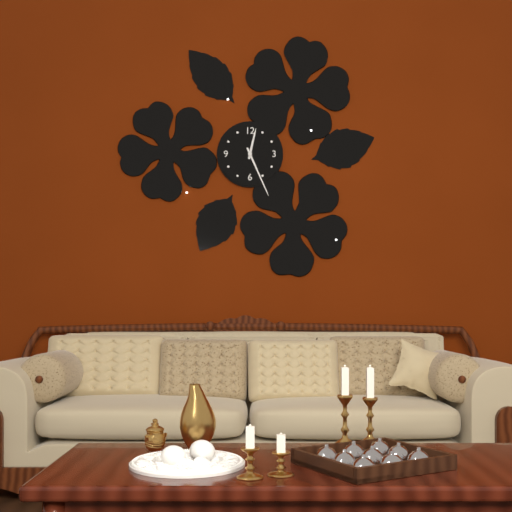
{"hour": 12, "minute": 26}
